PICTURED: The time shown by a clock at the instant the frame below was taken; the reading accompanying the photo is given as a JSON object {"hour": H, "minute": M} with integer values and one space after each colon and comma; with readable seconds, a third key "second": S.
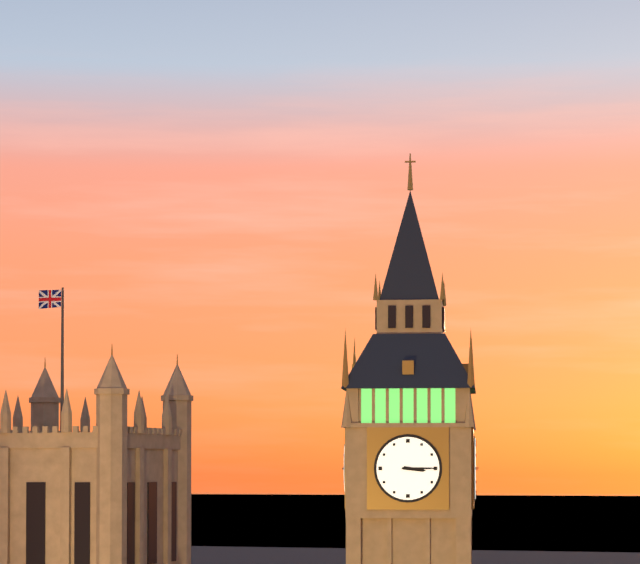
{"hour": 3, "minute": 15}
